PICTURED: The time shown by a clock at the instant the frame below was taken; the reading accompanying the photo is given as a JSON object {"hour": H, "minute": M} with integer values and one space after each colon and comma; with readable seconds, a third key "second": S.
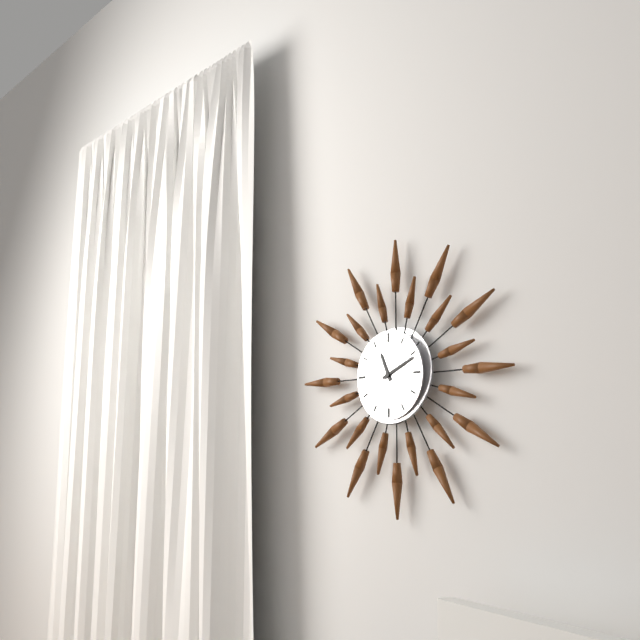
{"hour": 11, "minute": 11}
